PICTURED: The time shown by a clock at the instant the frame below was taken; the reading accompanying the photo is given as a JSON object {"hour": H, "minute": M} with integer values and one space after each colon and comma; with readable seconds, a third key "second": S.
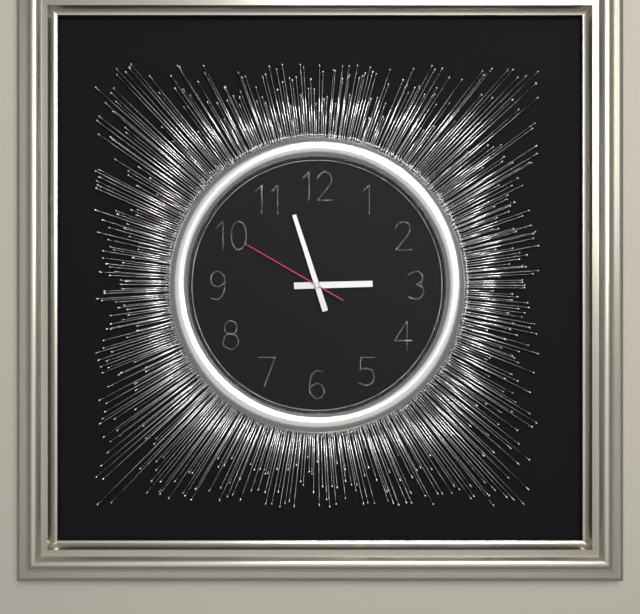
{"hour": 2, "minute": 57, "second": 50}
